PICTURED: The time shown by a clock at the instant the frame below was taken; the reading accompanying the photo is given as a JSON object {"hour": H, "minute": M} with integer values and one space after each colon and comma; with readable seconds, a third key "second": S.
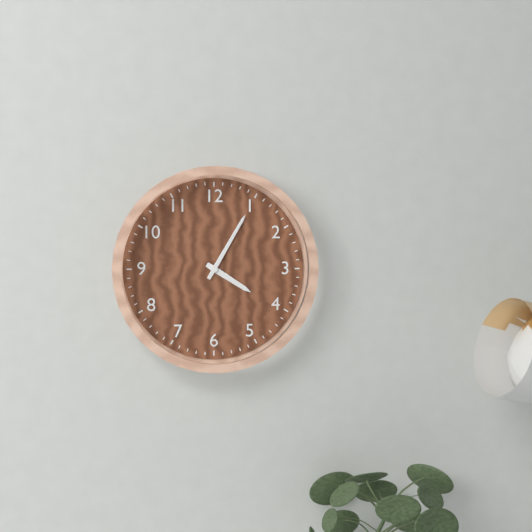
{"hour": 4, "minute": 5}
